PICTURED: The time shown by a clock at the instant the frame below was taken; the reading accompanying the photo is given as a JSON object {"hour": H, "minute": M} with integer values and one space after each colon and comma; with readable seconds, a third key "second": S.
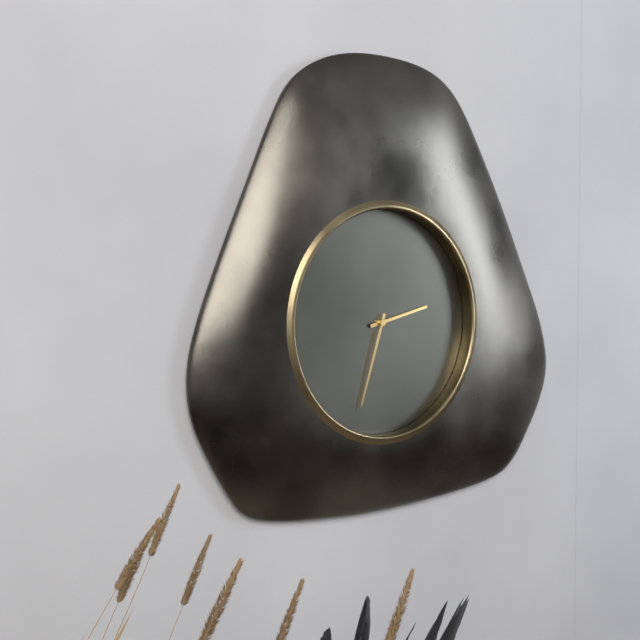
{"hour": 2, "minute": 33}
